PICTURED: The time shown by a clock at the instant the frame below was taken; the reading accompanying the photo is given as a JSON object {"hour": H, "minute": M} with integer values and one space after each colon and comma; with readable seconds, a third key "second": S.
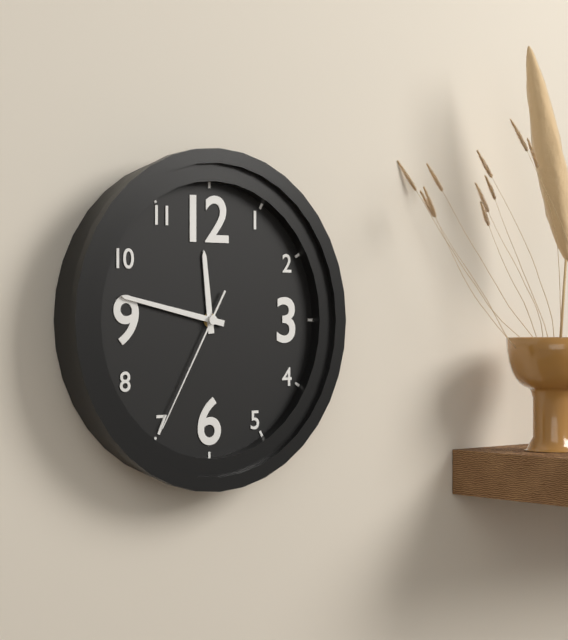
{"hour": 11, "minute": 47, "second": 35}
